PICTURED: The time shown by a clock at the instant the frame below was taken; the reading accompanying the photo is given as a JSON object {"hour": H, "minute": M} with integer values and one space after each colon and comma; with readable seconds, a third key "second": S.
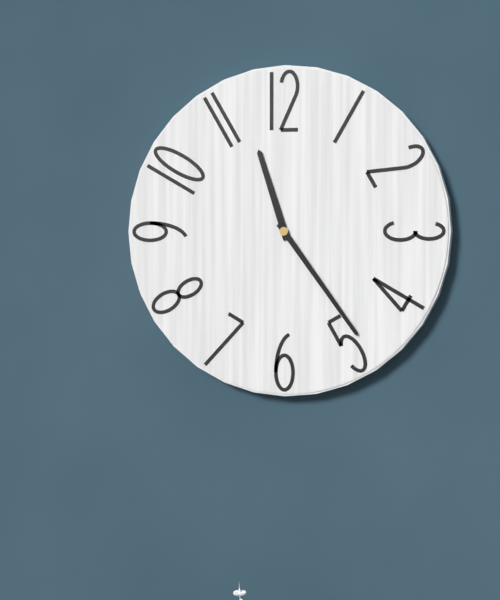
{"hour": 11, "minute": 24}
